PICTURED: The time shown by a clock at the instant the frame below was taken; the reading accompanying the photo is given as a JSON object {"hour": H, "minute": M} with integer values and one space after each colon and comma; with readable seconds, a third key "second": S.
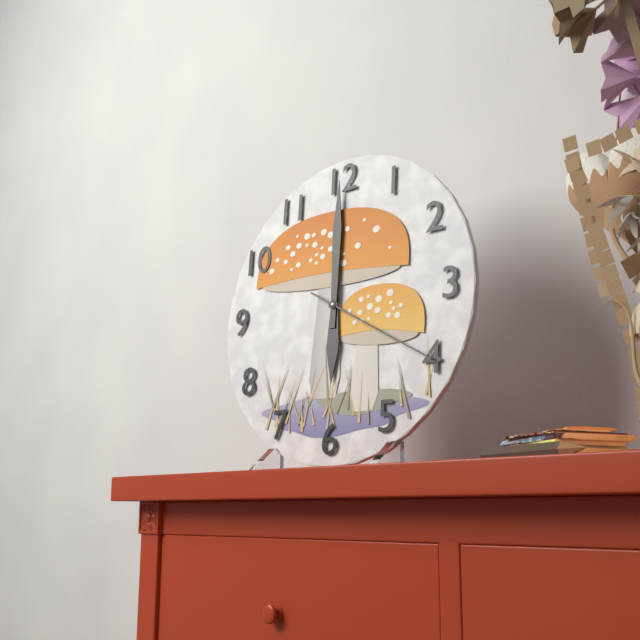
{"hour": 6, "minute": 0, "second": 20}
